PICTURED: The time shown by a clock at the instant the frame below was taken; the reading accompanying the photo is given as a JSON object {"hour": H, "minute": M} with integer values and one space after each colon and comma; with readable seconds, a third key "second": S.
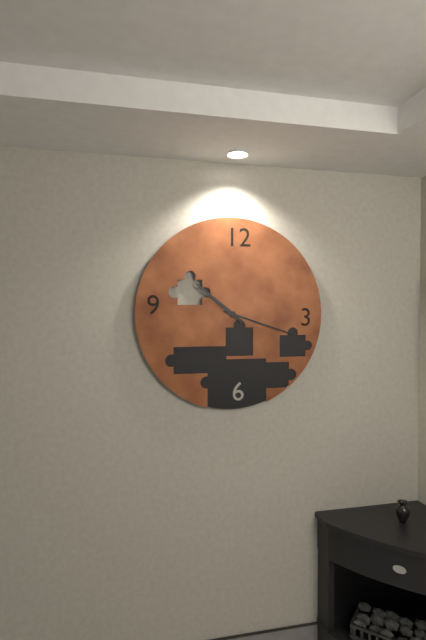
{"hour": 10, "minute": 18}
